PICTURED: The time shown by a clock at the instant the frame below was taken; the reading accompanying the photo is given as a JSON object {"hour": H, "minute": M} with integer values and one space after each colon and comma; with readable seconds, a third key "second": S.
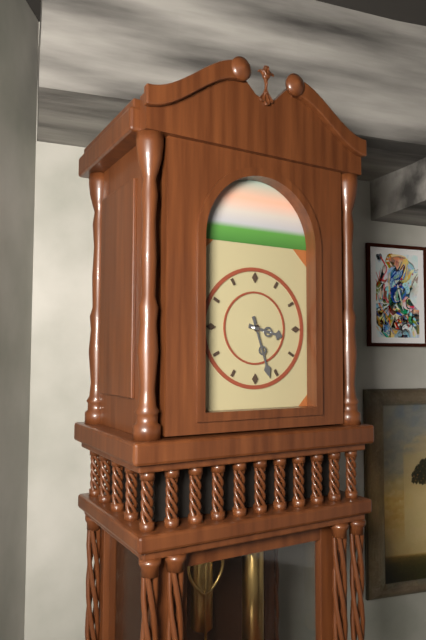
{"hour": 3, "minute": 27}
